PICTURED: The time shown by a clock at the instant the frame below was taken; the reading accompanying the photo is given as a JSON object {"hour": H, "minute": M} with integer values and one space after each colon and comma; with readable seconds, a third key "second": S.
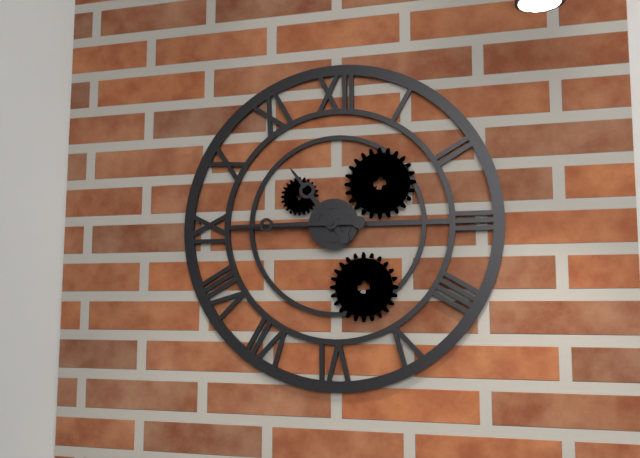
{"hour": 10, "minute": 45}
